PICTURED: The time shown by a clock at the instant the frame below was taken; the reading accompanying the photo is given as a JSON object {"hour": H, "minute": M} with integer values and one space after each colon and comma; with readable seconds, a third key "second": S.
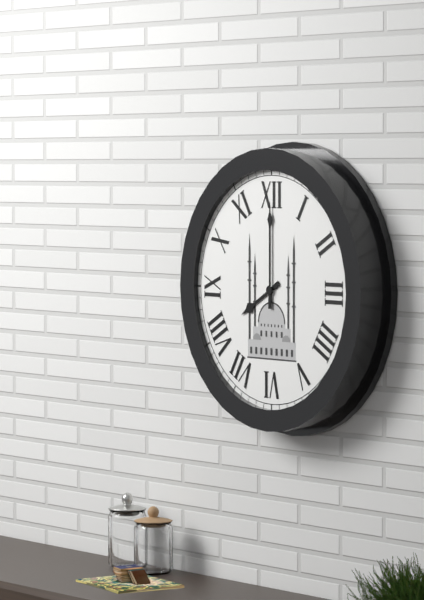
{"hour": 8, "minute": 0}
